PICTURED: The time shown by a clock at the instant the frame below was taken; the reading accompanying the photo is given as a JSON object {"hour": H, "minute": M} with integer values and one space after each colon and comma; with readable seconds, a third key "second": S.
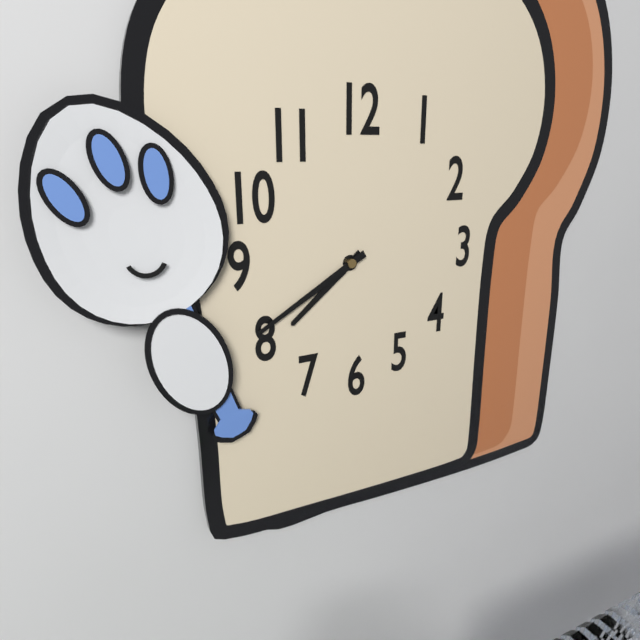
{"hour": 7, "minute": 40}
